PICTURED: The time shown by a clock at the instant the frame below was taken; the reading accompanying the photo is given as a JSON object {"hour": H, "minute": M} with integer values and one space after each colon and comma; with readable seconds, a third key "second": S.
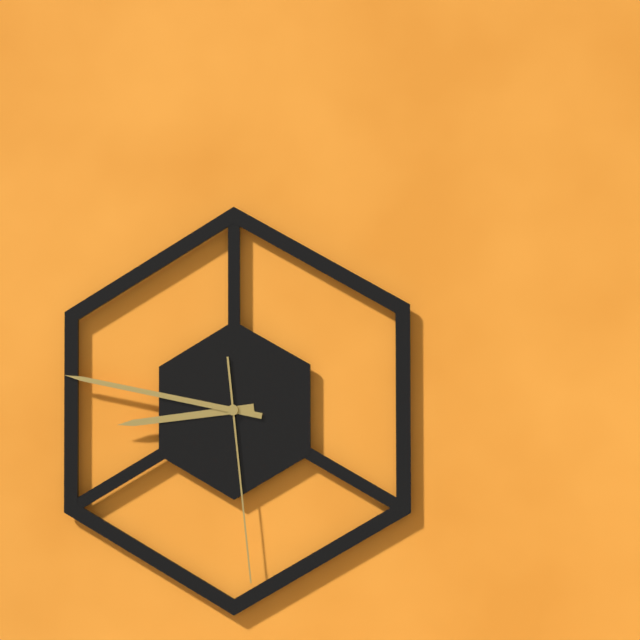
{"hour": 8, "minute": 47, "second": 29}
